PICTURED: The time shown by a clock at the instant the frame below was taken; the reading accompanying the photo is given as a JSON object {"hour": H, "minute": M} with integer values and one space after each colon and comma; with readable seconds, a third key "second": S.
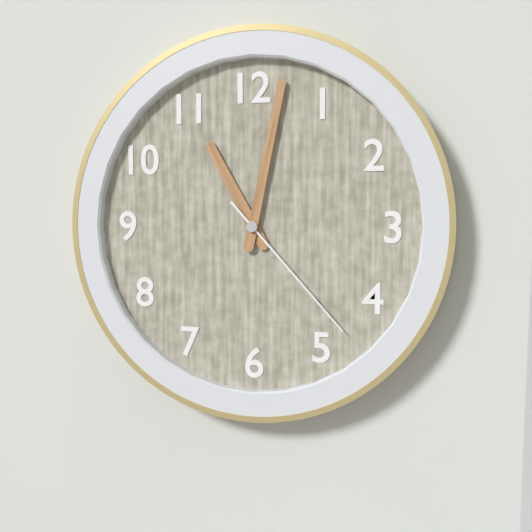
{"hour": 11, "minute": 2, "second": 23}
